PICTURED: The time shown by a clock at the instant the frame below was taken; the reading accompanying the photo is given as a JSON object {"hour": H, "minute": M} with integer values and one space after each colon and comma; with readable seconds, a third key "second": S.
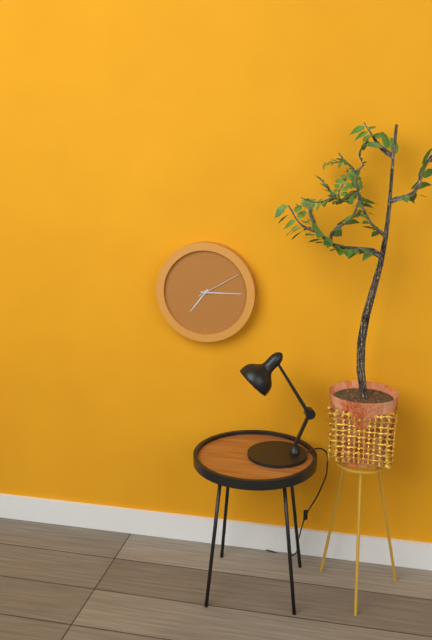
{"hour": 7, "minute": 15}
